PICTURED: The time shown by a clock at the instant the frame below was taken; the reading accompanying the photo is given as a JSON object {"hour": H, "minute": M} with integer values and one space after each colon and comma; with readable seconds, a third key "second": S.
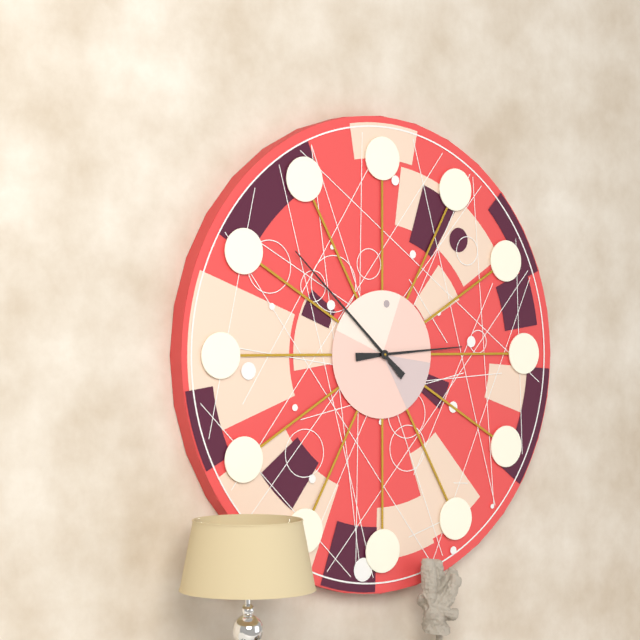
{"hour": 2, "minute": 52}
